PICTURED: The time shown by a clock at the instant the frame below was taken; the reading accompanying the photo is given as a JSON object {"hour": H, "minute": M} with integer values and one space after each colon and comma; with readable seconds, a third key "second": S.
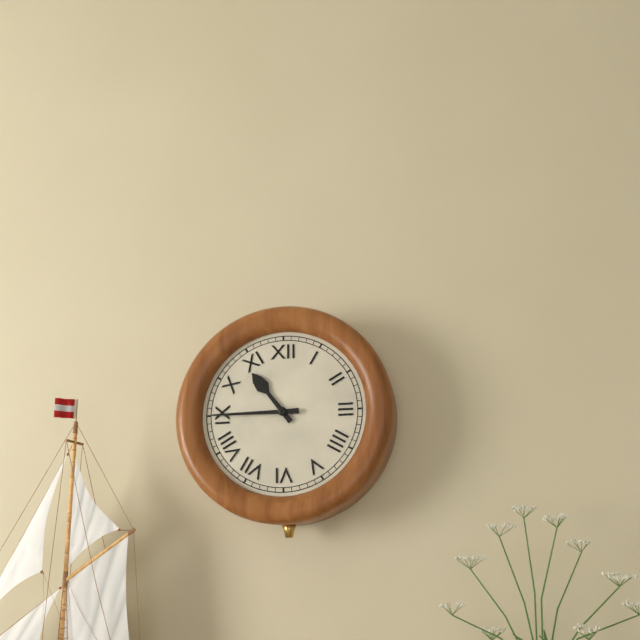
{"hour": 10, "minute": 45}
